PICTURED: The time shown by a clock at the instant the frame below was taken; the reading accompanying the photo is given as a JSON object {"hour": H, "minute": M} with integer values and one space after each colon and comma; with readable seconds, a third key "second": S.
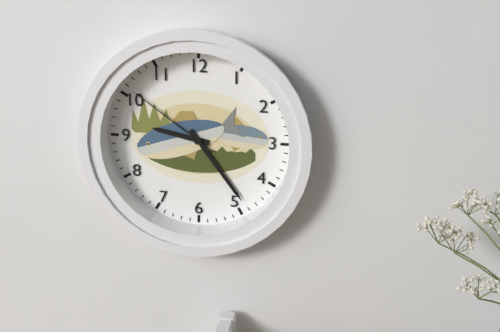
{"hour": 9, "minute": 24, "second": 51}
